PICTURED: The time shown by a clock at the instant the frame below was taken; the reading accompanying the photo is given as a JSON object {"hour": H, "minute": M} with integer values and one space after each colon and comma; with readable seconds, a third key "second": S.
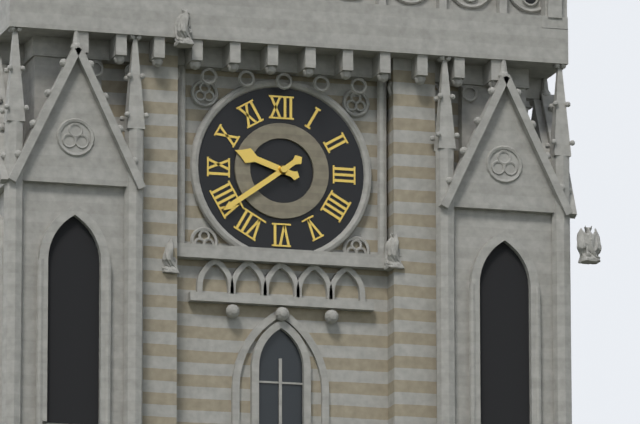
{"hour": 9, "minute": 39}
